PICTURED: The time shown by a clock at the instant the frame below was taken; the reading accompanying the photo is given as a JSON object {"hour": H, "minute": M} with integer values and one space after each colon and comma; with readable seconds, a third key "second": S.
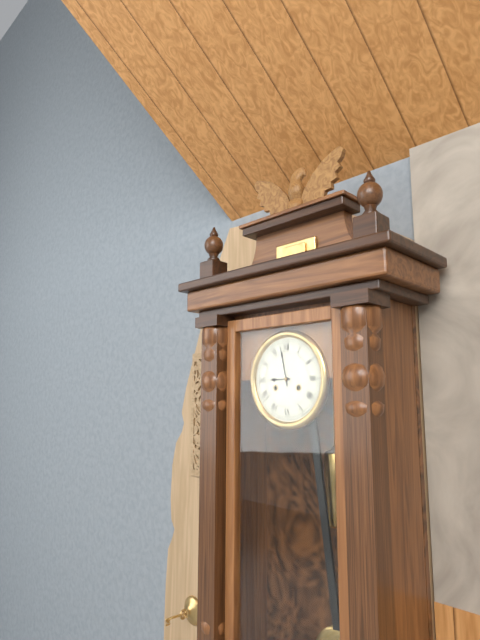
{"hour": 8, "minute": 58}
